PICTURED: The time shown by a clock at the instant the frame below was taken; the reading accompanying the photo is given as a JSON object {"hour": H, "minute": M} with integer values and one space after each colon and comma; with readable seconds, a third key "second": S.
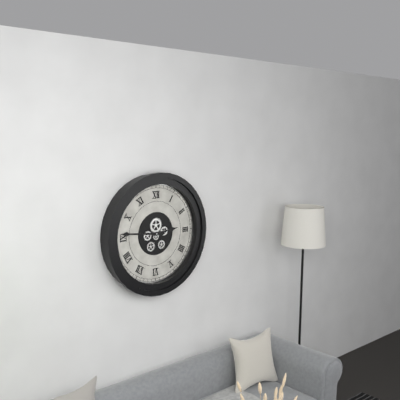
{"hour": 2, "minute": 46}
